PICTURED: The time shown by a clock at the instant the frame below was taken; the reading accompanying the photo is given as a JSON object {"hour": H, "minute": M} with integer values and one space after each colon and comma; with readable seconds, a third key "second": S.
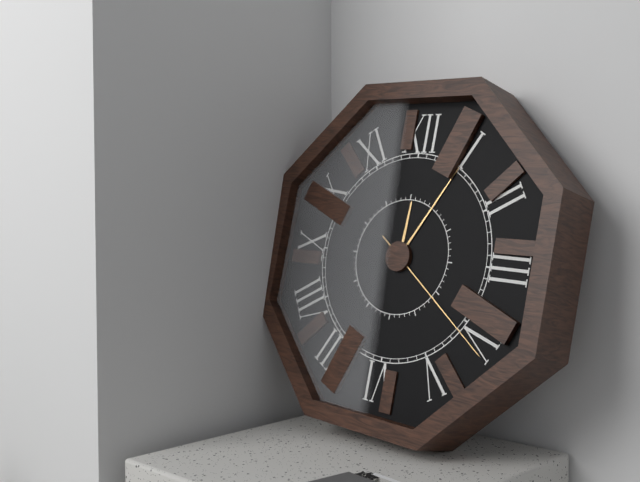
{"hour": 12, "minute": 5, "second": 21}
